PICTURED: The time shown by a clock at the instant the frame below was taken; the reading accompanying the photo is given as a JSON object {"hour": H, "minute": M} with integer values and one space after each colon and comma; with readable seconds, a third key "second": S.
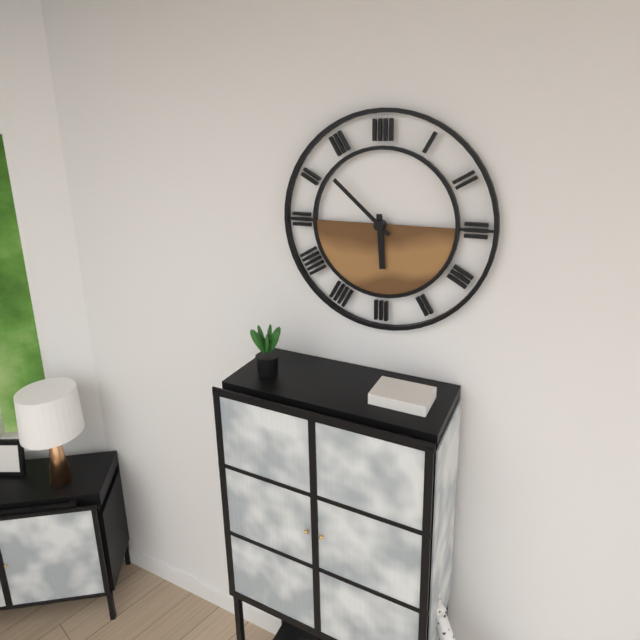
{"hour": 5, "minute": 52}
